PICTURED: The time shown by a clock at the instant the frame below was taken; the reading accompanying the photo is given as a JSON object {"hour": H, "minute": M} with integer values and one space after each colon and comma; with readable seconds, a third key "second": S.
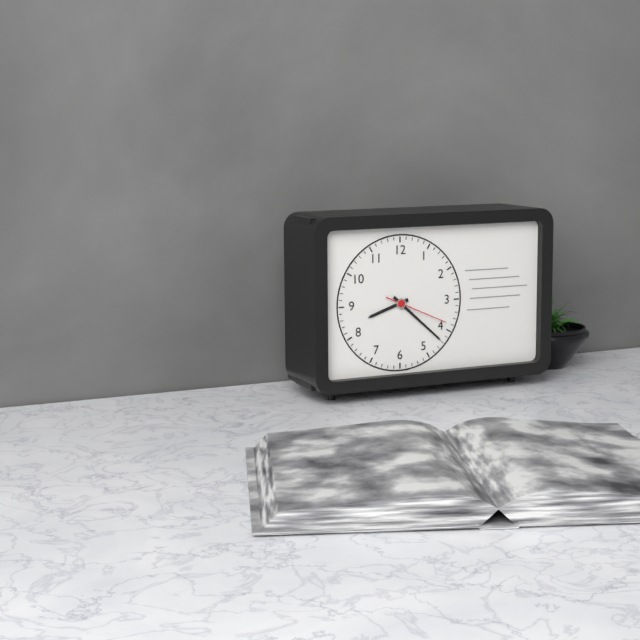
{"hour": 8, "minute": 22, "second": 19}
